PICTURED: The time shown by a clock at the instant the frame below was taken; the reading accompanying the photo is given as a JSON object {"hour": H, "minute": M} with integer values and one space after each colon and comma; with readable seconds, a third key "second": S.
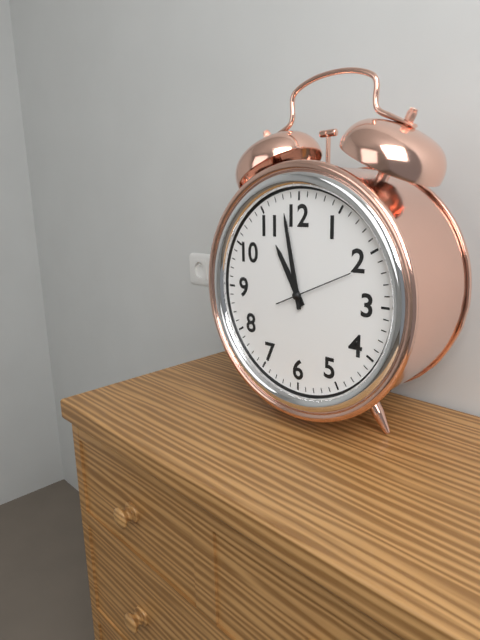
{"hour": 10, "minute": 58, "second": 11}
